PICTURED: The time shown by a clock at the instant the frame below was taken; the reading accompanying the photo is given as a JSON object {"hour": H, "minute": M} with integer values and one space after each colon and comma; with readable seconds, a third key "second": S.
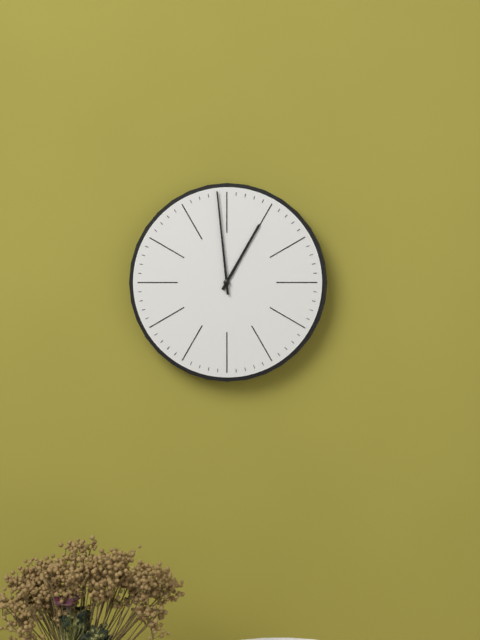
{"hour": 12, "minute": 59}
